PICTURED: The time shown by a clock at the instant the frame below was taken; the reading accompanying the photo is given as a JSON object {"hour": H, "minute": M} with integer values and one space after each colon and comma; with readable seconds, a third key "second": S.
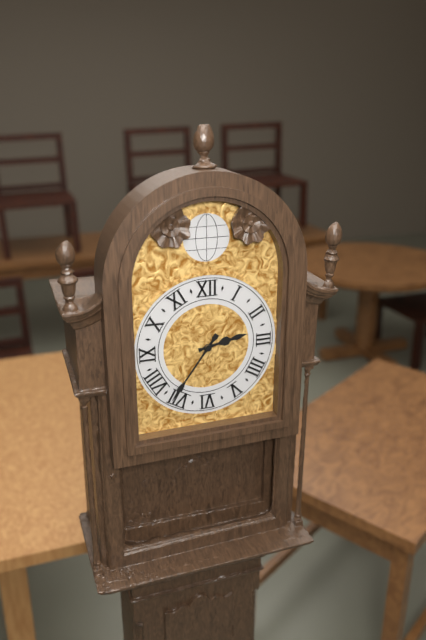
{"hour": 2, "minute": 36}
